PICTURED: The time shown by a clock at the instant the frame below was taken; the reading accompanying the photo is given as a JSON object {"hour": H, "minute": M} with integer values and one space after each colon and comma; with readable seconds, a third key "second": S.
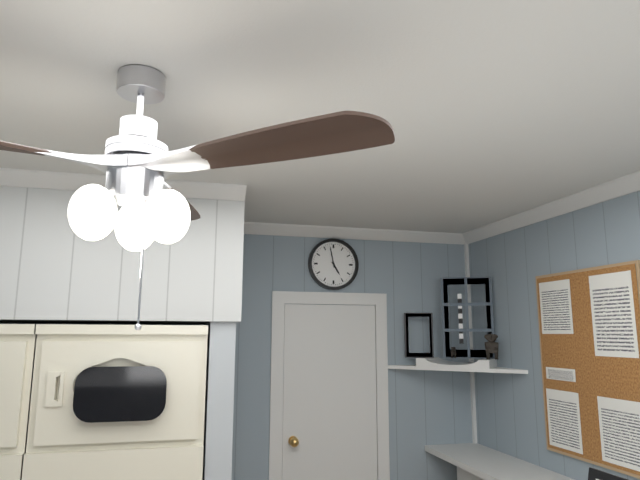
{"hour": 4, "minute": 58}
